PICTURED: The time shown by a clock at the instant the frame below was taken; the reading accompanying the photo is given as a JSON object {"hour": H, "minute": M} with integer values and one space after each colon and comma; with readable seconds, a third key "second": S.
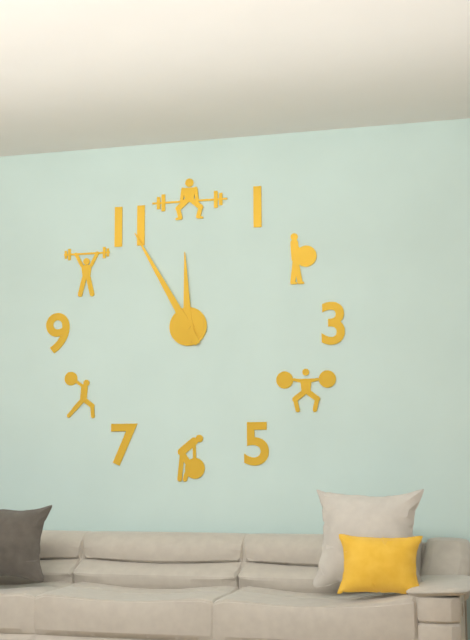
{"hour": 11, "minute": 55}
